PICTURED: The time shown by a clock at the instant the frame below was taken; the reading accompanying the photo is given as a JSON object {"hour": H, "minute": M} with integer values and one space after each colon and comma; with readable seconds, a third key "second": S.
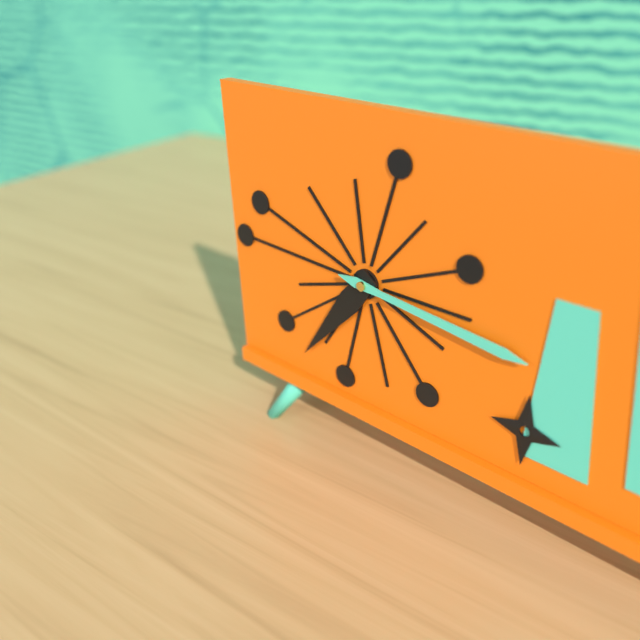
{"hour": 7, "minute": 16}
